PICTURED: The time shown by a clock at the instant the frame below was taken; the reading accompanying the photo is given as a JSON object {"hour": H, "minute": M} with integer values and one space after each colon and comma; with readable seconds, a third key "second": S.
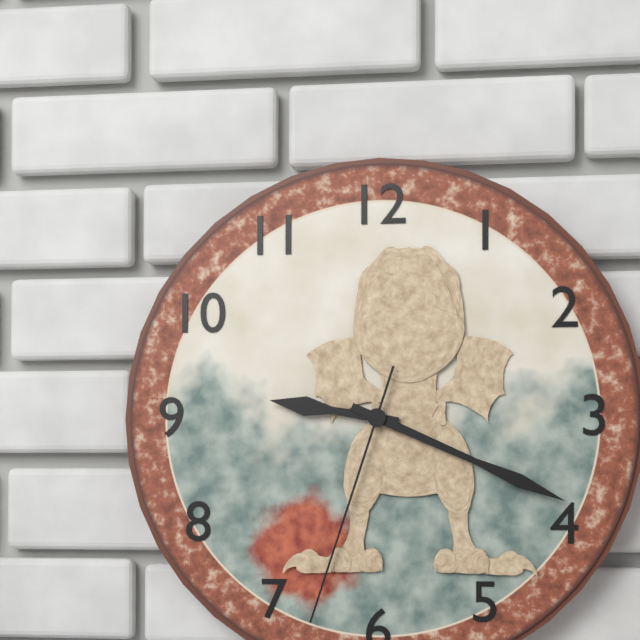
{"hour": 9, "minute": 19, "second": 33}
